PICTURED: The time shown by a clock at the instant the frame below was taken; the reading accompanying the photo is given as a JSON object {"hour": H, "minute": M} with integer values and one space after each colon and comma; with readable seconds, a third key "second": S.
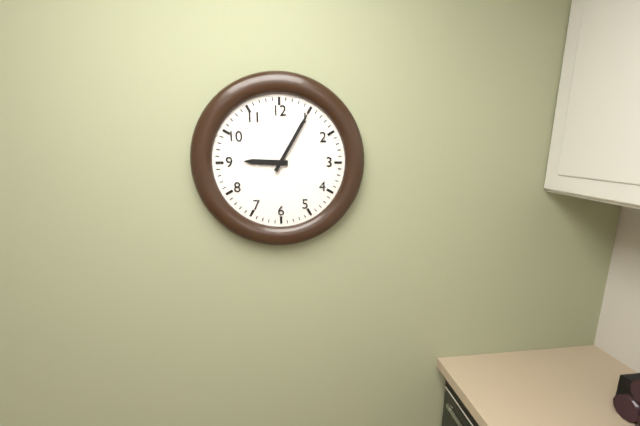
{"hour": 9, "minute": 5}
